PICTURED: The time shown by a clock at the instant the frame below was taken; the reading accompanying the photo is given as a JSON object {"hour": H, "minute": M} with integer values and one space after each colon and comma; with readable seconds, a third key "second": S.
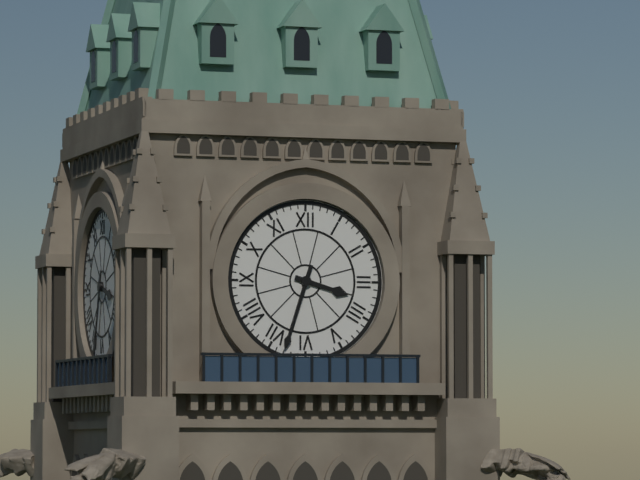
{"hour": 3, "minute": 33}
